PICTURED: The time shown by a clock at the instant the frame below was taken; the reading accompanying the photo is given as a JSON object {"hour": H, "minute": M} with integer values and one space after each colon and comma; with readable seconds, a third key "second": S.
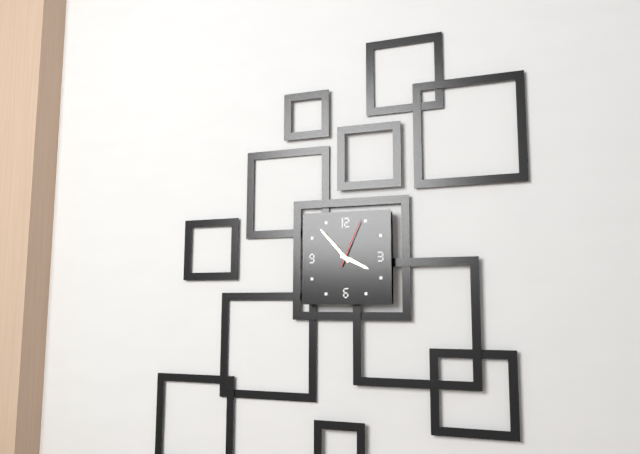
{"hour": 3, "minute": 53, "second": 4}
